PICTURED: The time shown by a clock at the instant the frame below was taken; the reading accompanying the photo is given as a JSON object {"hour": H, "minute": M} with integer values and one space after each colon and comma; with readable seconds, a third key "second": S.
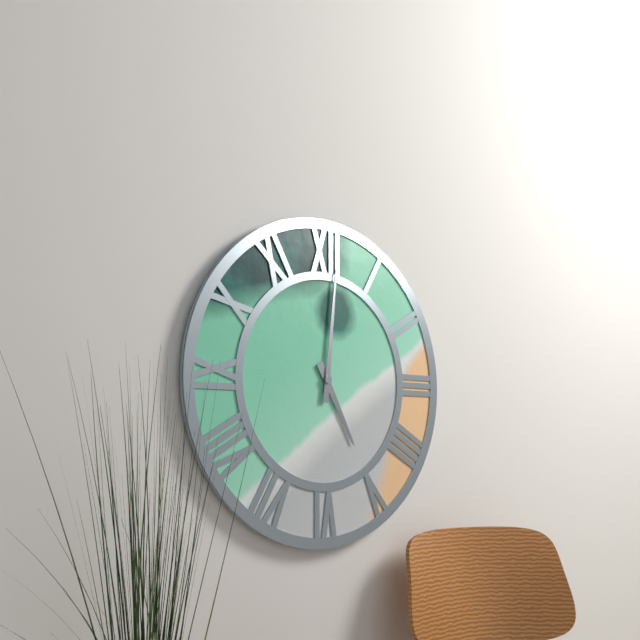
{"hour": 5, "minute": 1}
